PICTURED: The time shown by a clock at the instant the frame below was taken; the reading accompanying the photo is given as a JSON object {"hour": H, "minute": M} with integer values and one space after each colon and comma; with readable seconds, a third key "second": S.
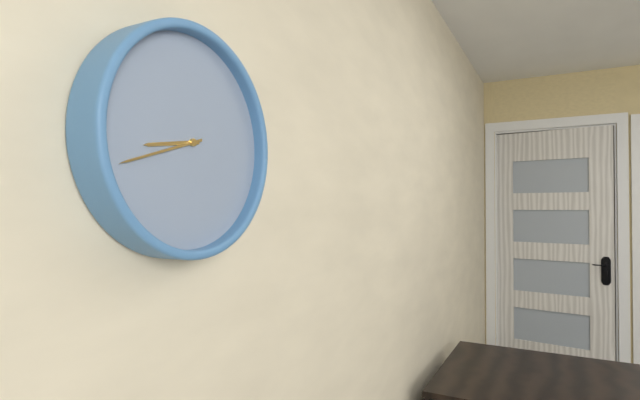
{"hour": 8, "minute": 42}
